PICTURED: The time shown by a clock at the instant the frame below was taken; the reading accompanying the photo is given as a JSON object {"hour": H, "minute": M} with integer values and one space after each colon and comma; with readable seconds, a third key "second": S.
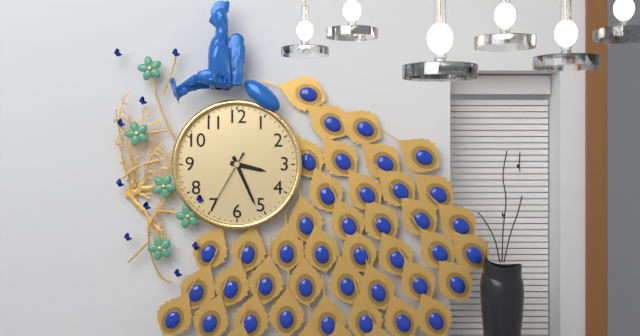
{"hour": 3, "minute": 26, "second": 35}
